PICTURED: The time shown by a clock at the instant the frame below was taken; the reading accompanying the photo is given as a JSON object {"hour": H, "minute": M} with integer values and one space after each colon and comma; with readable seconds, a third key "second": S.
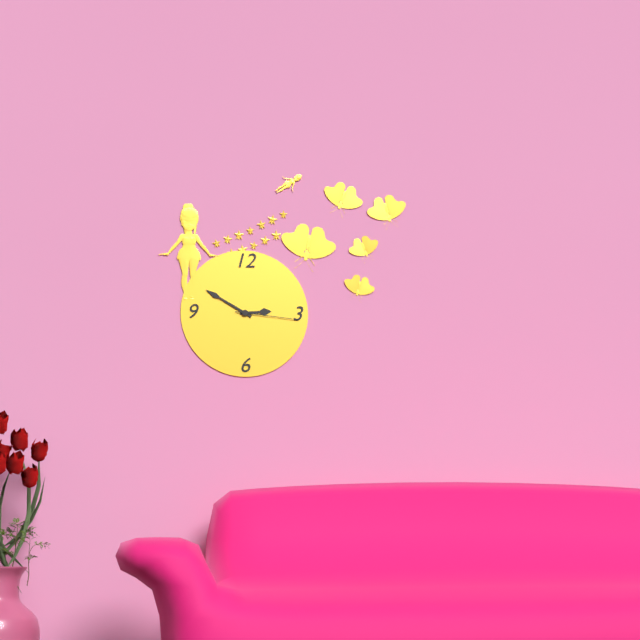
{"hour": 2, "minute": 50, "second": 16}
